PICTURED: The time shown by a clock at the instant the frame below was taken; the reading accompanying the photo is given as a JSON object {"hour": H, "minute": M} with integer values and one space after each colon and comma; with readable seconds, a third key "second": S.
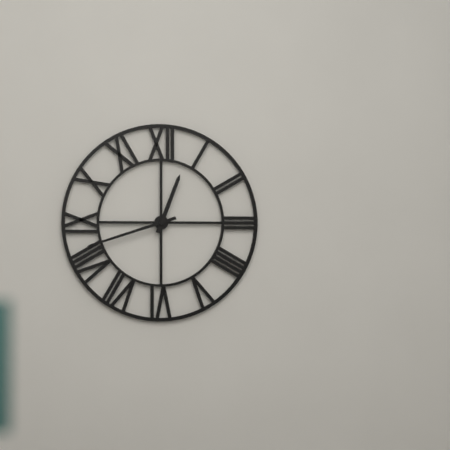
{"hour": 12, "minute": 42}
